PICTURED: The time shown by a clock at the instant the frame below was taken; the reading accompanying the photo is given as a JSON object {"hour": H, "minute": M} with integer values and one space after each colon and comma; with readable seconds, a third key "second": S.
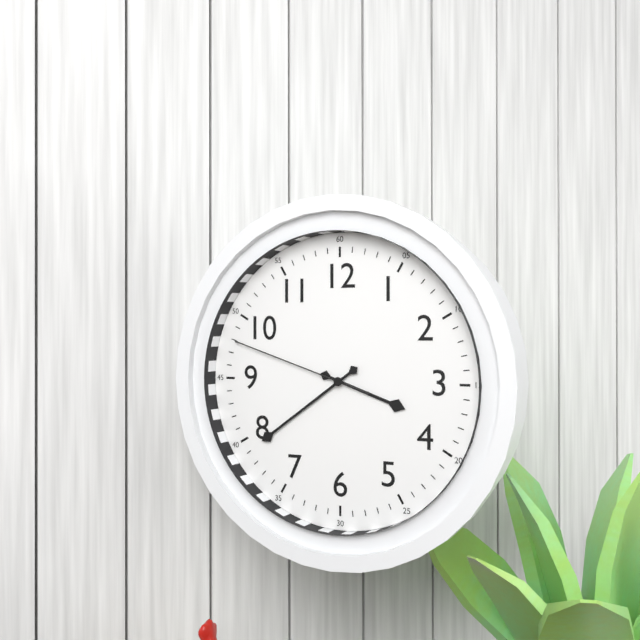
{"hour": 3, "minute": 39, "second": 48}
